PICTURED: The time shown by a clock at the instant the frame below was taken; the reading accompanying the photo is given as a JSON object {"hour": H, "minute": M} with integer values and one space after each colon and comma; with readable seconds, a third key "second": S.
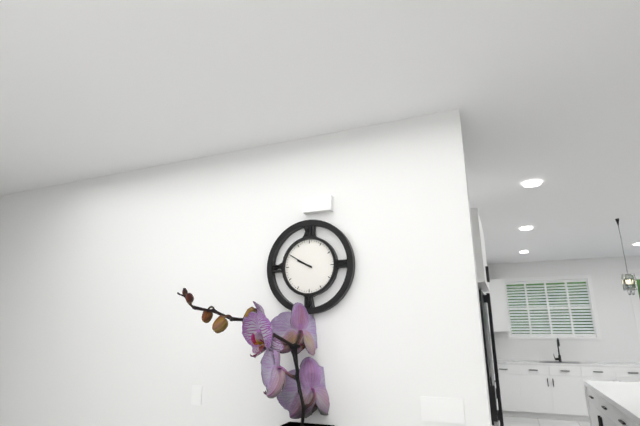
{"hour": 9, "minute": 50}
